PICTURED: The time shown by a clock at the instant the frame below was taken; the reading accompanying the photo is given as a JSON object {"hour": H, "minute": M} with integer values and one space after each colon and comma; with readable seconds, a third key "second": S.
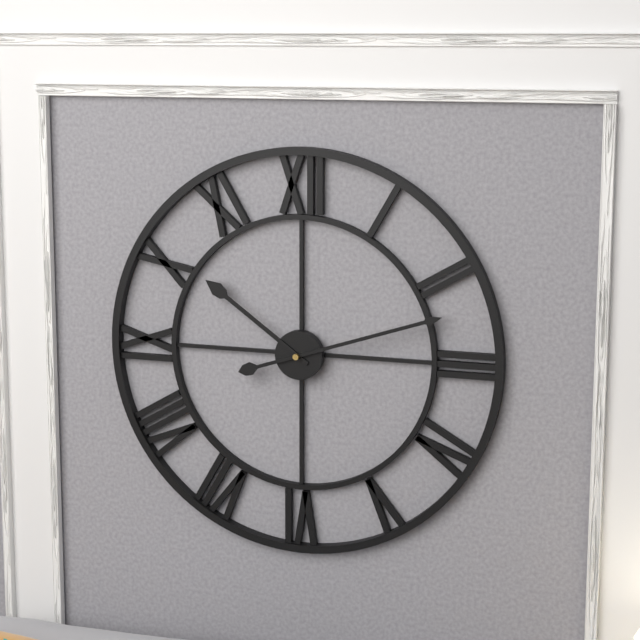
{"hour": 10, "minute": 12}
